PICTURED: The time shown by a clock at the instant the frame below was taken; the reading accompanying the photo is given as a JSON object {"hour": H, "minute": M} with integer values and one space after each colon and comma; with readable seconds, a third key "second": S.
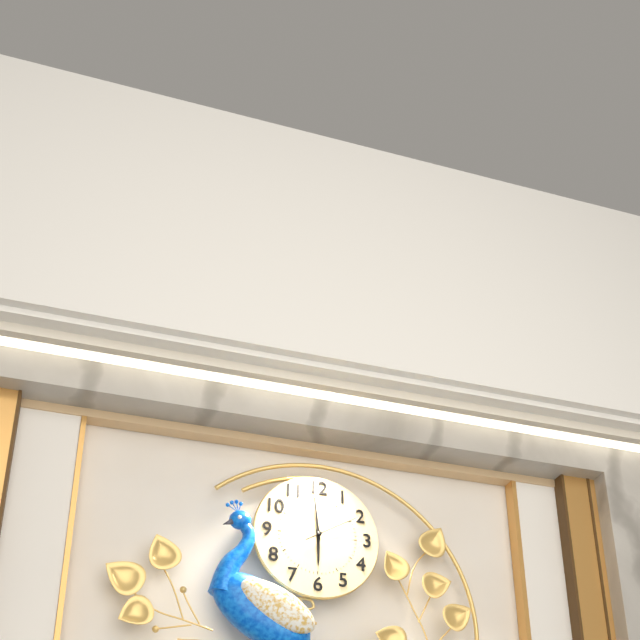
{"hour": 5, "minute": 59, "second": 10}
